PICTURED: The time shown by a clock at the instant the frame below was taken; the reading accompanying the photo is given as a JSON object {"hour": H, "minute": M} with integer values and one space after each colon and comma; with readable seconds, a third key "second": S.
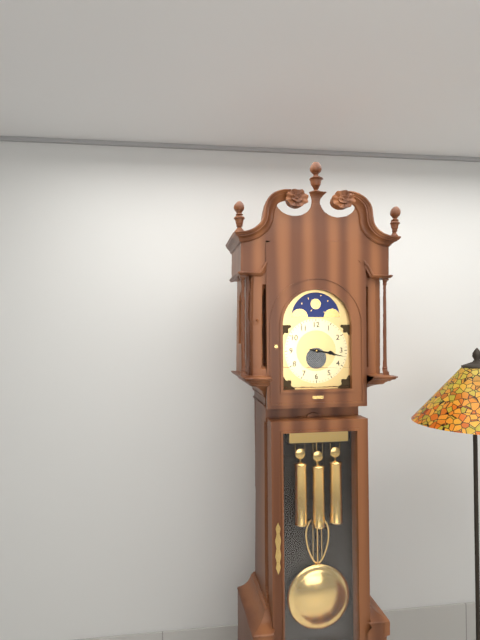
{"hour": 3, "minute": 17}
